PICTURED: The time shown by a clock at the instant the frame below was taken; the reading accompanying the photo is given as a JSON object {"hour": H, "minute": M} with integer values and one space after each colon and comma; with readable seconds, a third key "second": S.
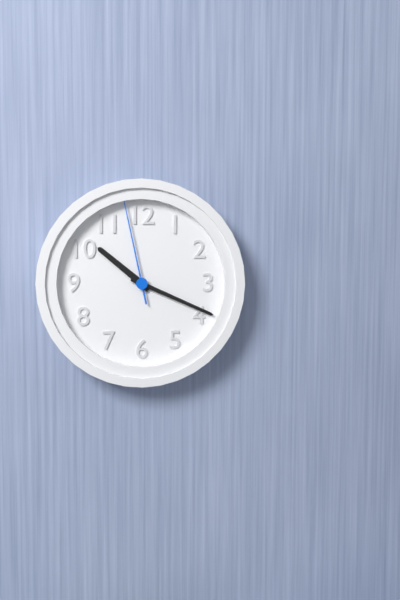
{"hour": 10, "minute": 19, "second": 58}
